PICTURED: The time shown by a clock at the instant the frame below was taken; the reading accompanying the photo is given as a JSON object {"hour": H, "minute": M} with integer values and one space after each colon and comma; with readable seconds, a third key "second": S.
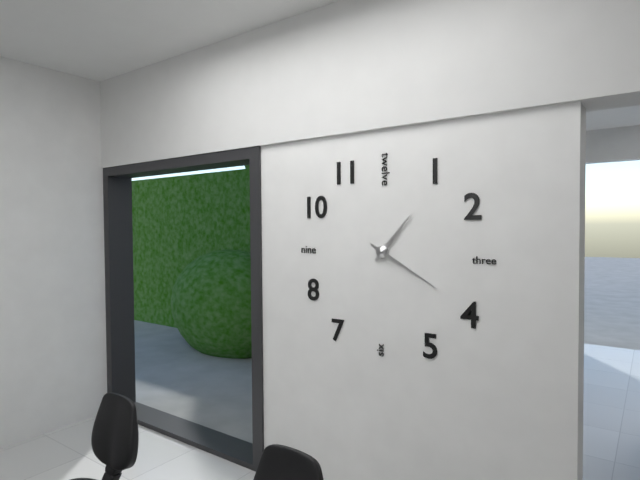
{"hour": 1, "minute": 20}
